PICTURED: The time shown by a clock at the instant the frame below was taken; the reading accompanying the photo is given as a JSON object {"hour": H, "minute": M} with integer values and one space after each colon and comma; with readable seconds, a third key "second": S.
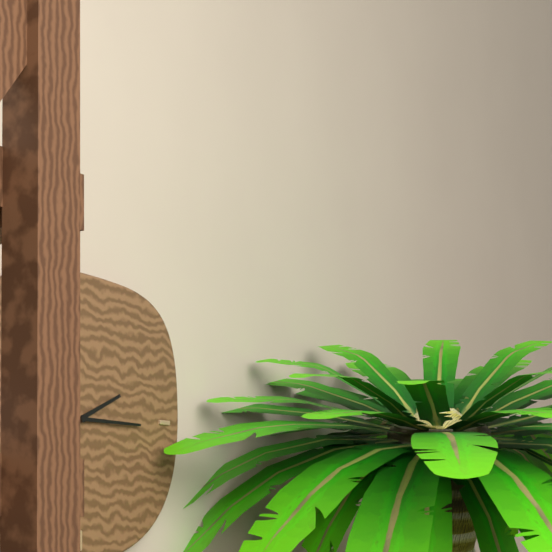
{"hour": 2, "minute": 15}
